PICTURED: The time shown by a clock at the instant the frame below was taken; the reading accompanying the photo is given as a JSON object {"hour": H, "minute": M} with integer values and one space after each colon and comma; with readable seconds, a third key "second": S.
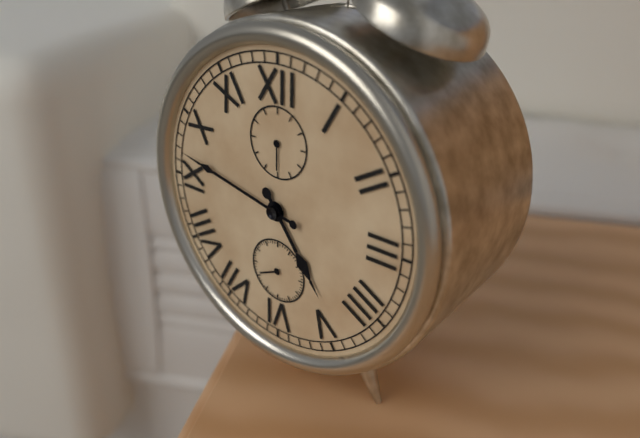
{"hour": 4, "minute": 47}
